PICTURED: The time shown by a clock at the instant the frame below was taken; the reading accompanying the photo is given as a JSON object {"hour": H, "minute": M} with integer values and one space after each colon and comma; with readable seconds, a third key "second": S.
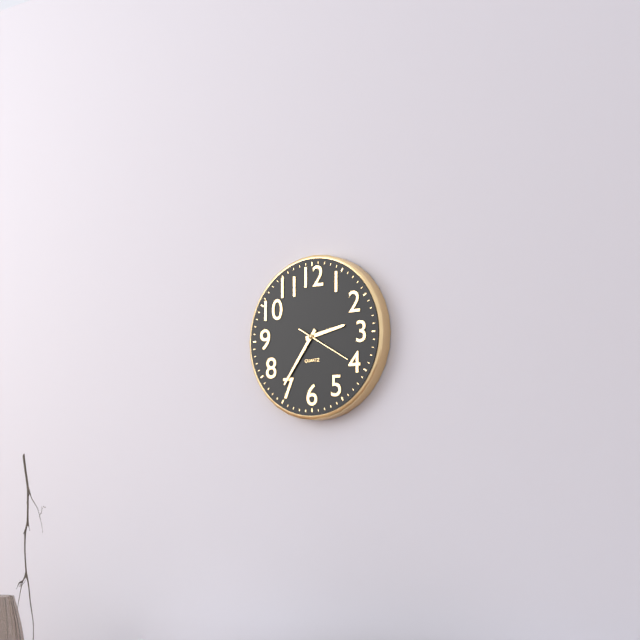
{"hour": 2, "minute": 36, "second": 20}
